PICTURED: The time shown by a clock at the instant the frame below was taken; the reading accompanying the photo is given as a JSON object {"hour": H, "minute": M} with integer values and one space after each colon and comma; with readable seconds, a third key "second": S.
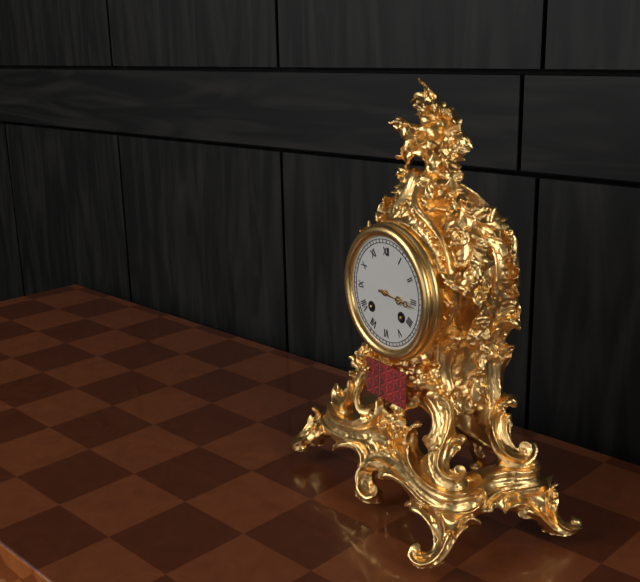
{"hour": 3, "minute": 16}
